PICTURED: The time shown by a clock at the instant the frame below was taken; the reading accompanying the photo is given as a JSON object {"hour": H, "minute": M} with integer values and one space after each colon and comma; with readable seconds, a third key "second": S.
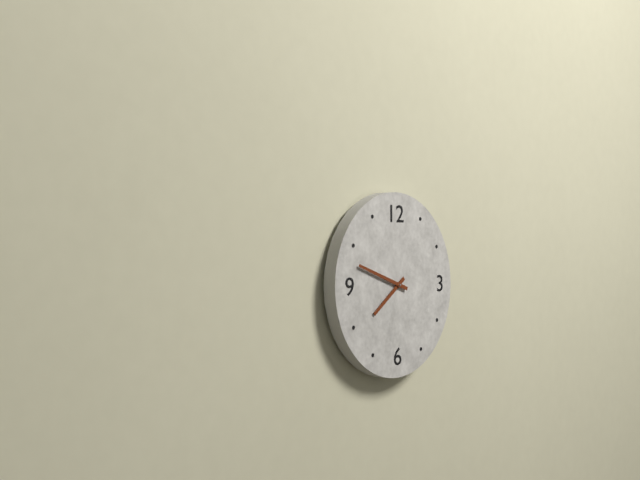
{"hour": 7, "minute": 48}
